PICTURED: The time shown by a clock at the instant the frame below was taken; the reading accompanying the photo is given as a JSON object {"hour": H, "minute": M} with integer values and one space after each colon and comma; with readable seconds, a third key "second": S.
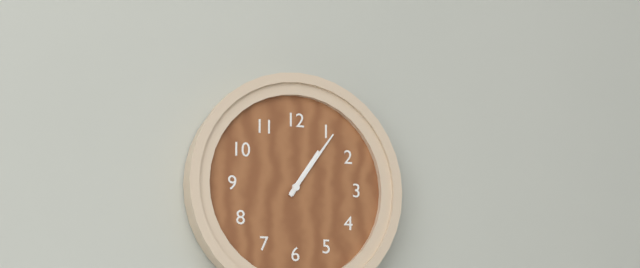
{"hour": 1, "minute": 6}
